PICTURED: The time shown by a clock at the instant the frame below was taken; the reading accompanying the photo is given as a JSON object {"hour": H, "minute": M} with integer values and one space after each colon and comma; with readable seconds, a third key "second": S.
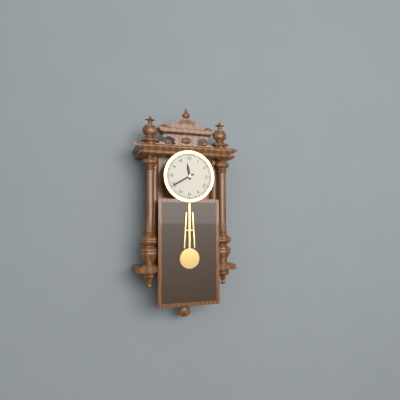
{"hour": 11, "minute": 40}
